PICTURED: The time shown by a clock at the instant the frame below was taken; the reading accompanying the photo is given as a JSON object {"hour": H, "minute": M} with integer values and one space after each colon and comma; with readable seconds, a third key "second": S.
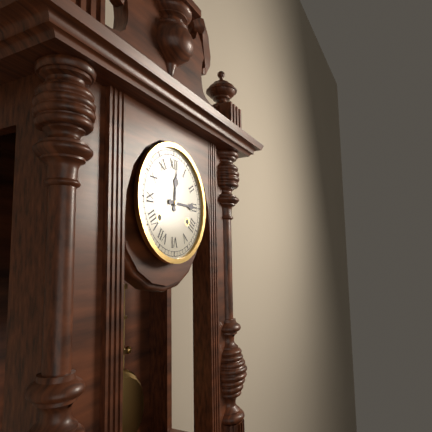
{"hour": 12, "minute": 15}
